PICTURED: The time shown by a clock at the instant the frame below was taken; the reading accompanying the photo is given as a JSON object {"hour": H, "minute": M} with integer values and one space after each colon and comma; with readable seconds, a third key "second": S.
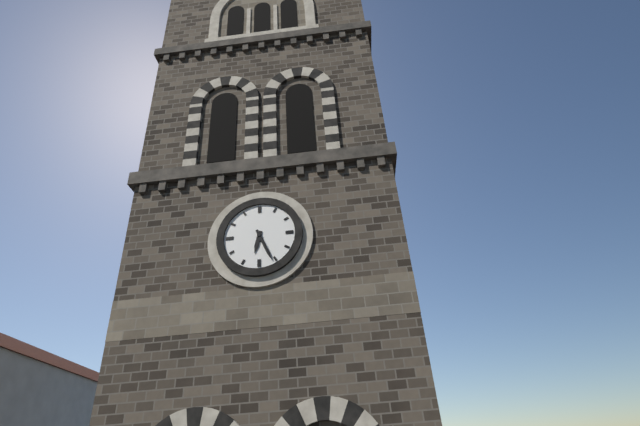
{"hour": 6, "minute": 26}
